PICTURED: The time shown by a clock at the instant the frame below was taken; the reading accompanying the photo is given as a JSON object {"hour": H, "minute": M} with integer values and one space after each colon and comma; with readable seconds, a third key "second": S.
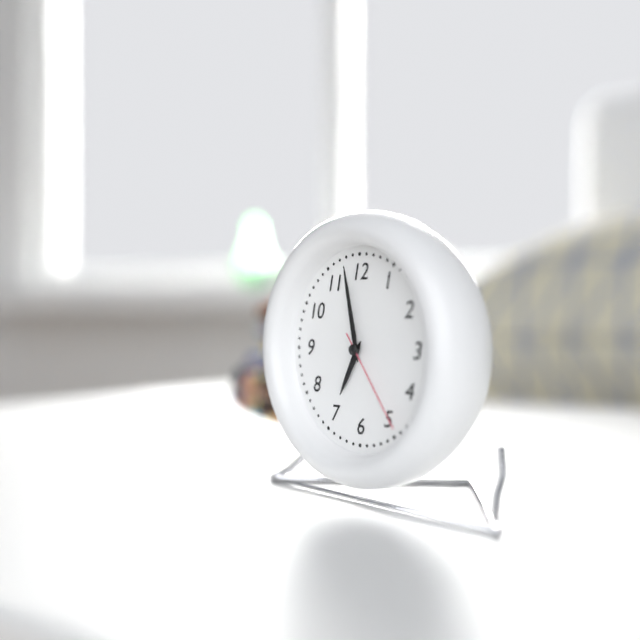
{"hour": 6, "minute": 58, "second": 24}
